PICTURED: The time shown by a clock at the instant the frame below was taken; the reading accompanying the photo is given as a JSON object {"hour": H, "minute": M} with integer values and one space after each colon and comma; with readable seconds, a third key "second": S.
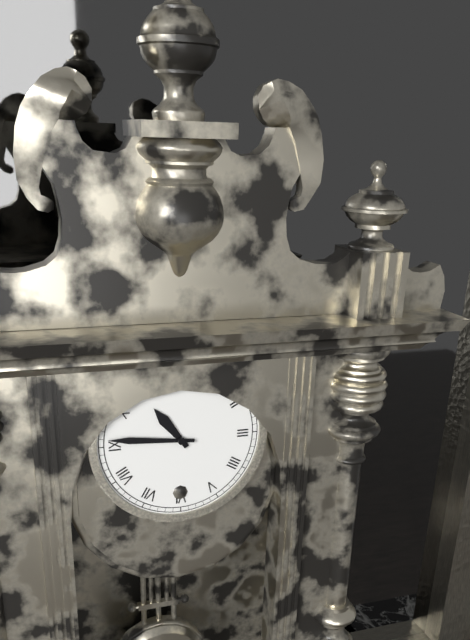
{"hour": 10, "minute": 46}
